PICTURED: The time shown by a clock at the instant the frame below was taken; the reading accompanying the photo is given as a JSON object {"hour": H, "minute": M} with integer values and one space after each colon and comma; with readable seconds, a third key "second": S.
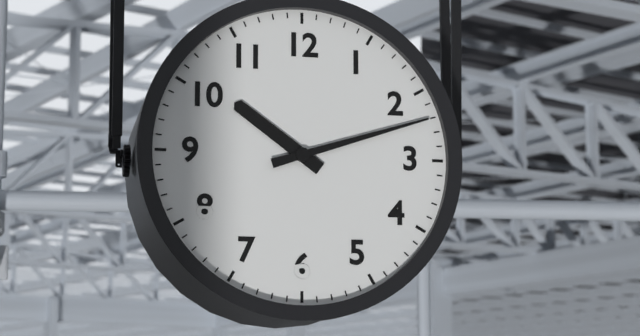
{"hour": 10, "minute": 12}
